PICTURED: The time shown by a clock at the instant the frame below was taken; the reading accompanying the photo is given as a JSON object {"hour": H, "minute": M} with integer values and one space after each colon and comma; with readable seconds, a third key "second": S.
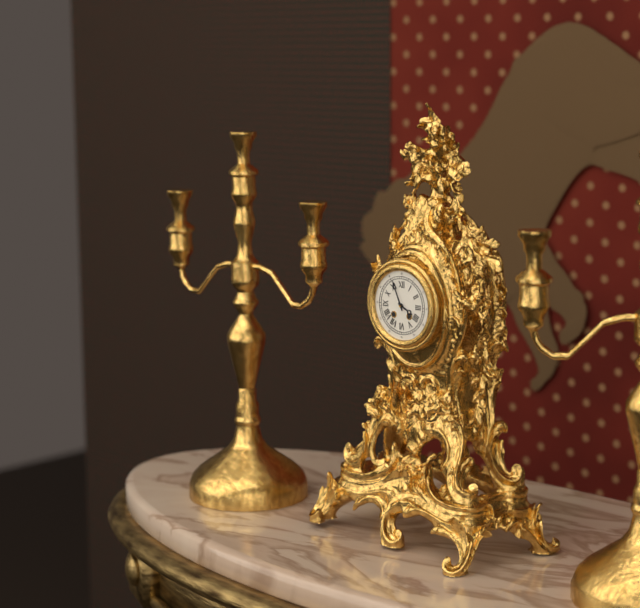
{"hour": 3, "minute": 56}
